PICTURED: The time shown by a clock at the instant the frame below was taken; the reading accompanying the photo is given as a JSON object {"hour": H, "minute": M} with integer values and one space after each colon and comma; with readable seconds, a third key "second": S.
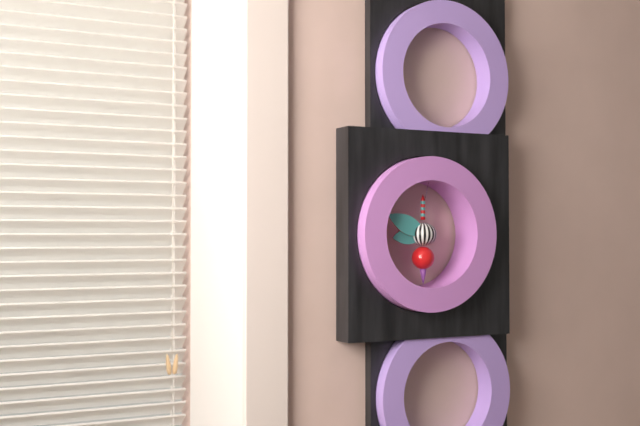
{"hour": 8, "minute": 49}
